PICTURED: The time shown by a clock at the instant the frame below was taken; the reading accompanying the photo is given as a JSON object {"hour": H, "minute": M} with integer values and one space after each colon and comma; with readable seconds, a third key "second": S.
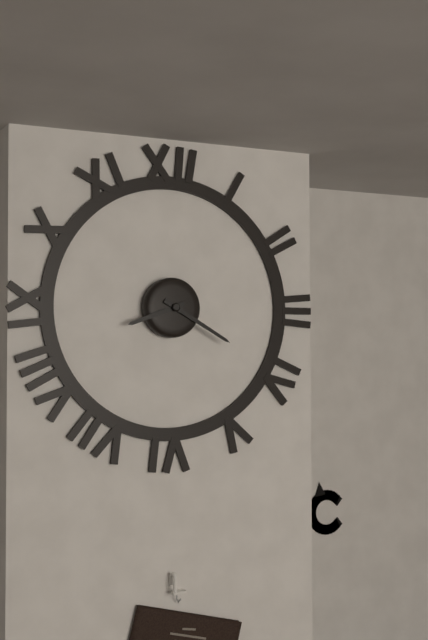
{"hour": 8, "minute": 20}
